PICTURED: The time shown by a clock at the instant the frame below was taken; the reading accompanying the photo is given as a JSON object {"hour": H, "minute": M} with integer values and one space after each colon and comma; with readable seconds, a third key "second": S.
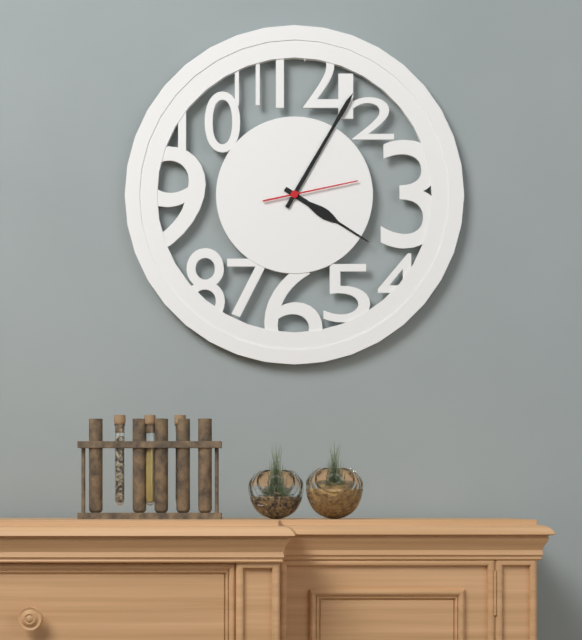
{"hour": 4, "minute": 5, "second": 13}
